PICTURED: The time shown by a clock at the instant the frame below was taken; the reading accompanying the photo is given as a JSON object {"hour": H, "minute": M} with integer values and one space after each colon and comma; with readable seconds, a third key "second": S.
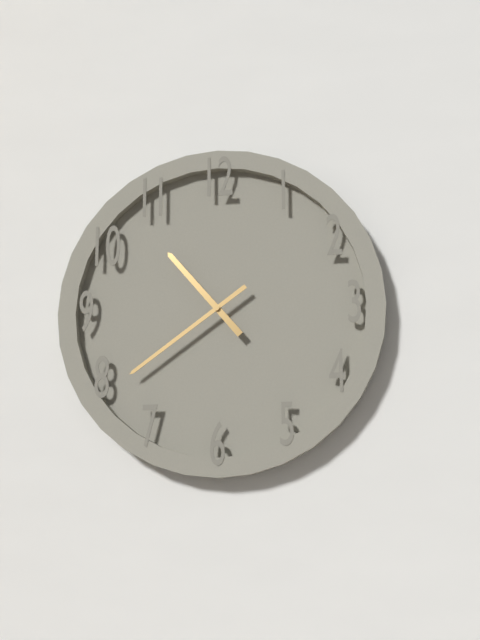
{"hour": 10, "minute": 39}
